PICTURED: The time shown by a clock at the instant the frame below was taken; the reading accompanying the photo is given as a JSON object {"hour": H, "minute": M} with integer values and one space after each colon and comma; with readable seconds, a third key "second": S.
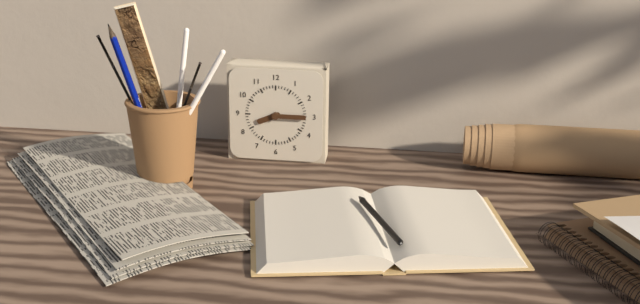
{"hour": 8, "minute": 15}
